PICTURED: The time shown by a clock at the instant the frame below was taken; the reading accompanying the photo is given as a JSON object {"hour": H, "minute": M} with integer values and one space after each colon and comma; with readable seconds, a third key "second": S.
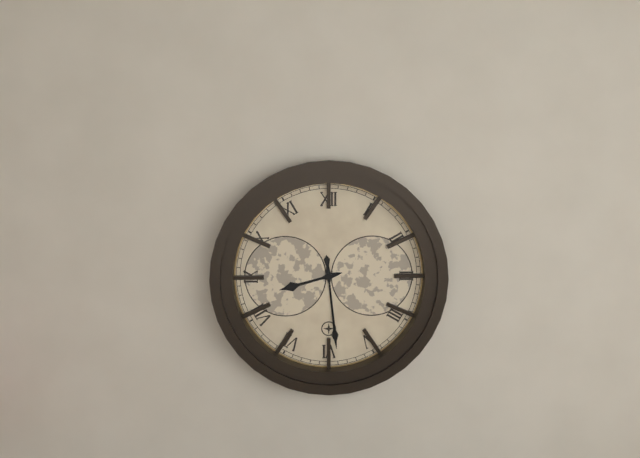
{"hour": 8, "minute": 29}
